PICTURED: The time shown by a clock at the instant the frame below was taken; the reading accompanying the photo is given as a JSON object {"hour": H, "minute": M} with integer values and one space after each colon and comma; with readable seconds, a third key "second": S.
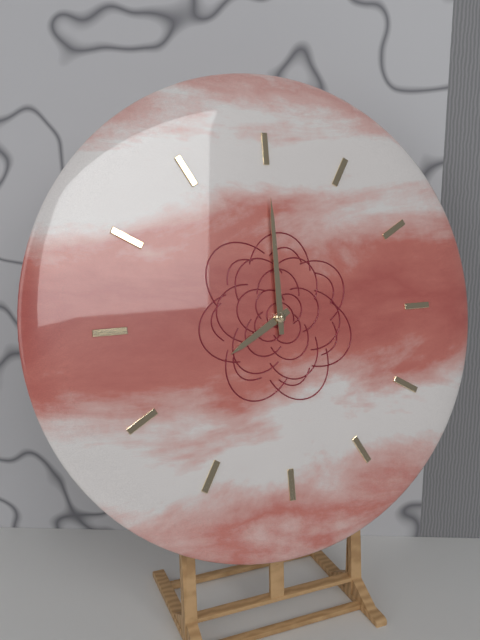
{"hour": 8, "minute": 0}
